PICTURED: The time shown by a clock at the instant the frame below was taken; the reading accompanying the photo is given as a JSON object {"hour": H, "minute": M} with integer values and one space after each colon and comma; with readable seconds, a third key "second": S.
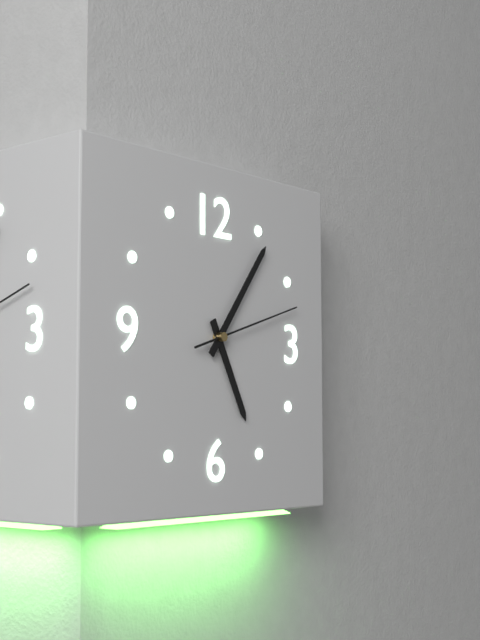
{"hour": 5, "minute": 6, "second": 12}
